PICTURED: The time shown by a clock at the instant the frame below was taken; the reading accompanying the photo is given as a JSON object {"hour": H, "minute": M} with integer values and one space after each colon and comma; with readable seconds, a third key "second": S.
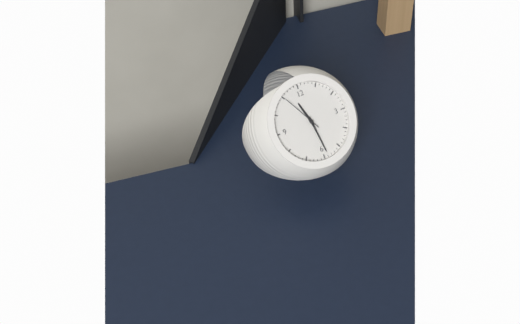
{"hour": 11, "minute": 29}
